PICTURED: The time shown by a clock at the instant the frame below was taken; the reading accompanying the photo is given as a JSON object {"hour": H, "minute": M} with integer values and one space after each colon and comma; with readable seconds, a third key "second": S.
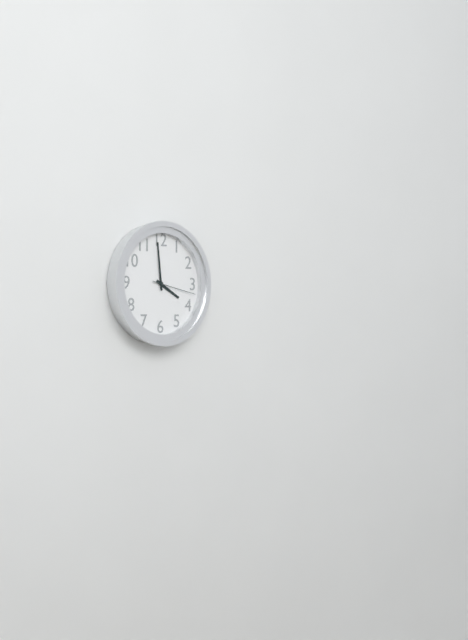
{"hour": 3, "minute": 59}
